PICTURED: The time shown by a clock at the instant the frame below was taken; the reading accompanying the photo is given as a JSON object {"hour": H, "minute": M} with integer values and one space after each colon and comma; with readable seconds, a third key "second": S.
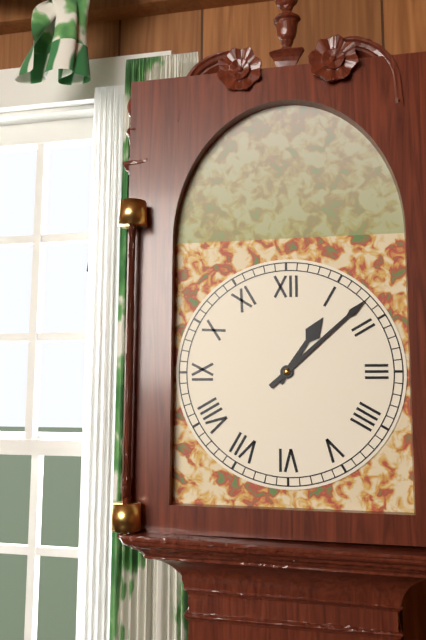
{"hour": 1, "minute": 8}
